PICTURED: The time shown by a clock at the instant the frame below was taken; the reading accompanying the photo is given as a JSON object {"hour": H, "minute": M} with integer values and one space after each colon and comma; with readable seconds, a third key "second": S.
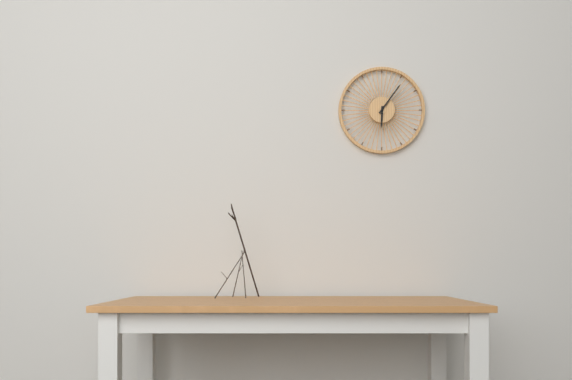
{"hour": 6, "minute": 6}
